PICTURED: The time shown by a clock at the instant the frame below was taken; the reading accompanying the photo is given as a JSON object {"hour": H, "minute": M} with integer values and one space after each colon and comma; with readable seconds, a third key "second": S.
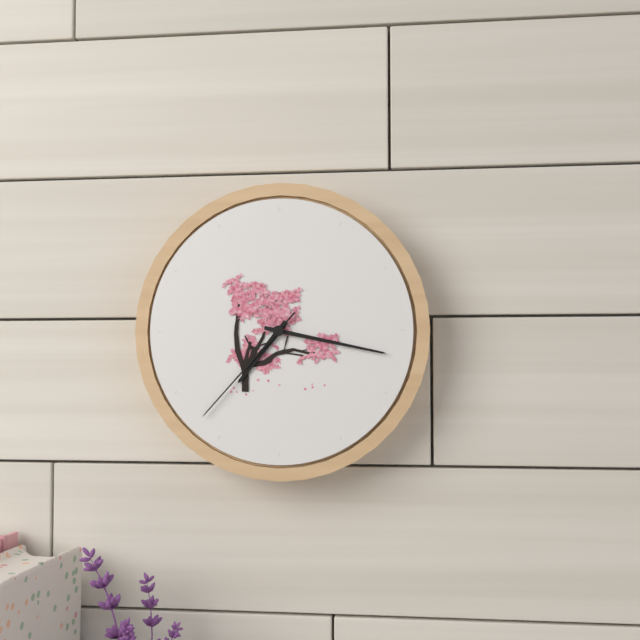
{"hour": 7, "minute": 17, "second": 37}
